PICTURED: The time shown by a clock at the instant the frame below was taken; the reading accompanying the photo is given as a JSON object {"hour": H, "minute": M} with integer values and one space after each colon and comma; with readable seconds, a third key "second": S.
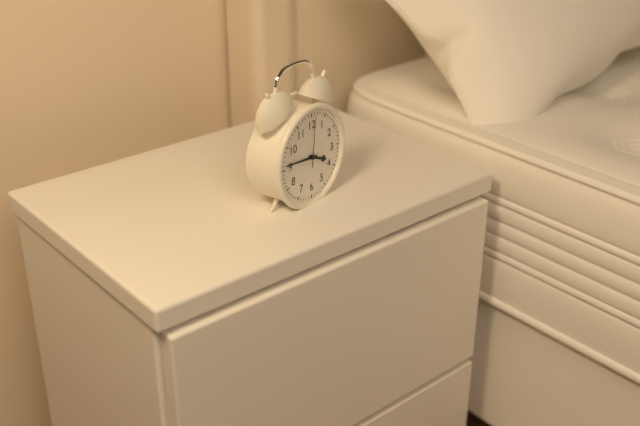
{"hour": 3, "minute": 46, "second": 1}
